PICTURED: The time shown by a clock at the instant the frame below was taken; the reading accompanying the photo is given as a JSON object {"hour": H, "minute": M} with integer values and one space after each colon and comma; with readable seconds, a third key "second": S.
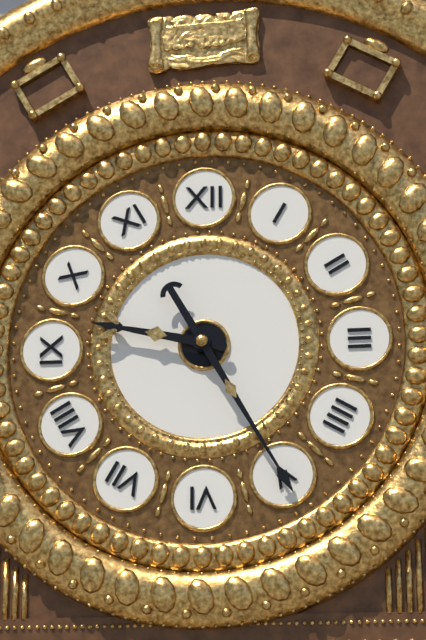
{"hour": 9, "minute": 25}
